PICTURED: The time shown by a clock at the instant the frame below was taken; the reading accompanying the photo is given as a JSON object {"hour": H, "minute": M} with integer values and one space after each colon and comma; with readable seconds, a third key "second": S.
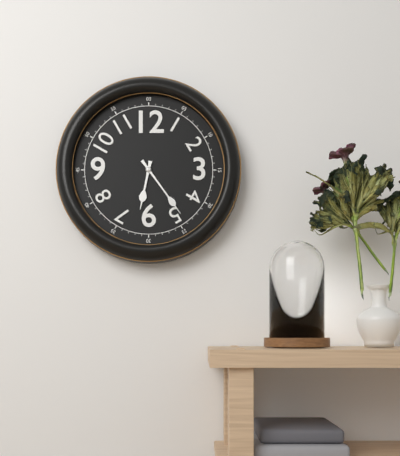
{"hour": 6, "minute": 24}
